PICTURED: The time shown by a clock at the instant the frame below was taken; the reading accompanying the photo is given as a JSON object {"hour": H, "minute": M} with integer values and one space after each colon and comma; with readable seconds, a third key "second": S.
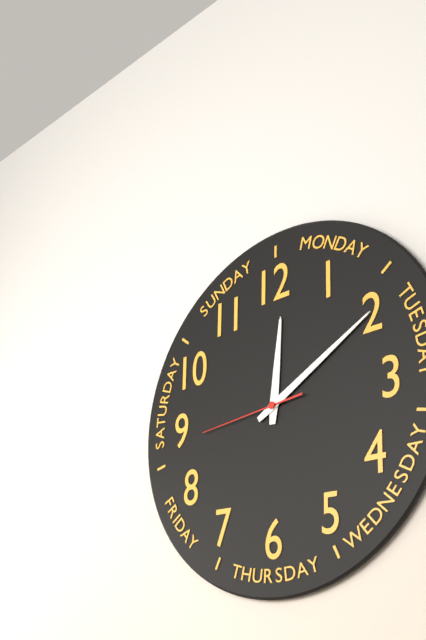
{"hour": 12, "minute": 10, "second": 44}
